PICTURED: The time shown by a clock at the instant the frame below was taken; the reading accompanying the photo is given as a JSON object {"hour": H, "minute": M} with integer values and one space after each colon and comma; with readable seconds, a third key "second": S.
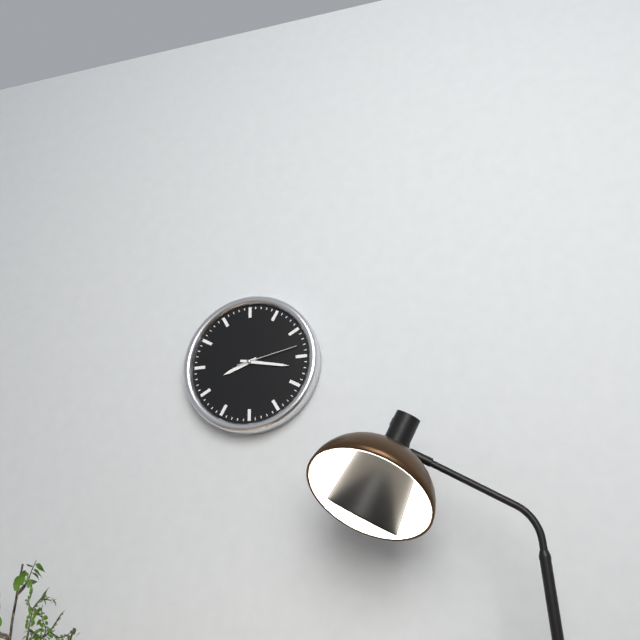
{"hour": 8, "minute": 17, "second": 13}
